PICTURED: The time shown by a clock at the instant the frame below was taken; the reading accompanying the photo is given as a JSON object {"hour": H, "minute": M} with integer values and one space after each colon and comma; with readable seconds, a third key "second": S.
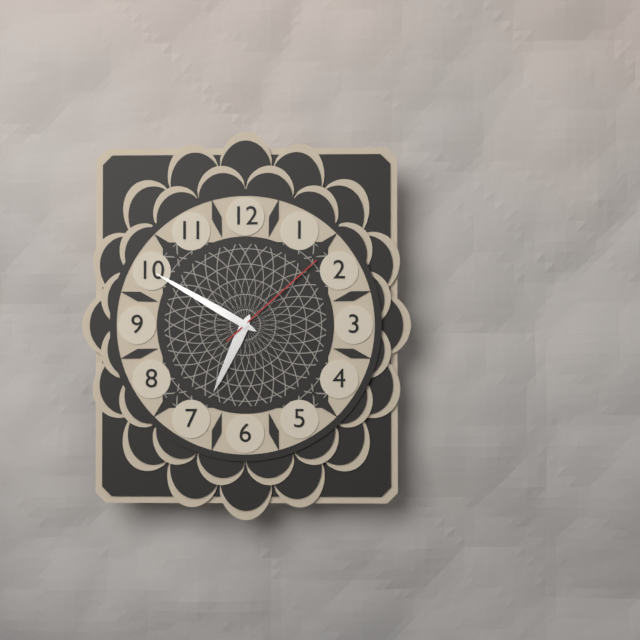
{"hour": 6, "minute": 50, "second": 8}
